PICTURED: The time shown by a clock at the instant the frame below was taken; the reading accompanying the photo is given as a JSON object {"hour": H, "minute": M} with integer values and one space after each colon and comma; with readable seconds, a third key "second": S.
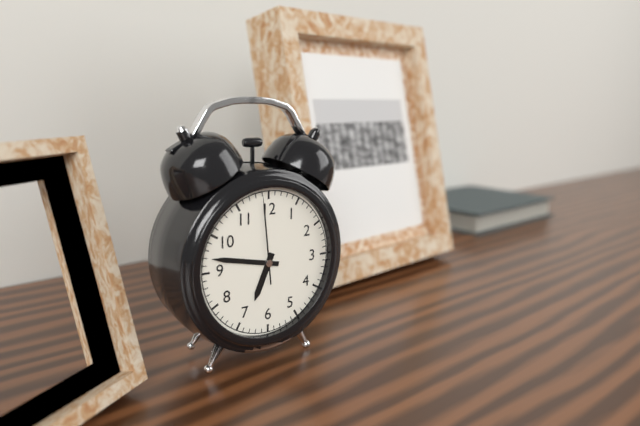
{"hour": 6, "minute": 47, "second": 59}
